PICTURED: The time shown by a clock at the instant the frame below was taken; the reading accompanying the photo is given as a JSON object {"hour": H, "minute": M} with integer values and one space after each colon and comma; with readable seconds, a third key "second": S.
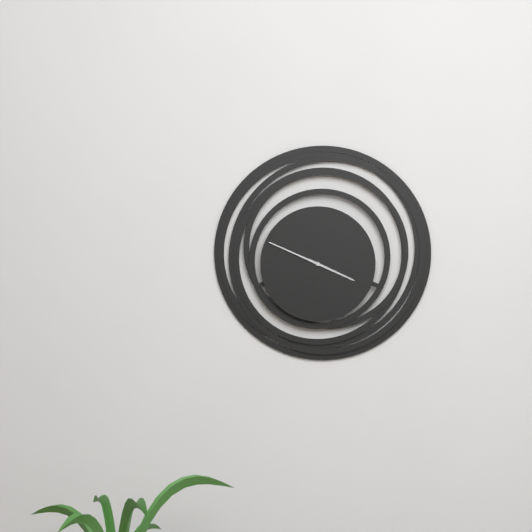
{"hour": 3, "minute": 49}
